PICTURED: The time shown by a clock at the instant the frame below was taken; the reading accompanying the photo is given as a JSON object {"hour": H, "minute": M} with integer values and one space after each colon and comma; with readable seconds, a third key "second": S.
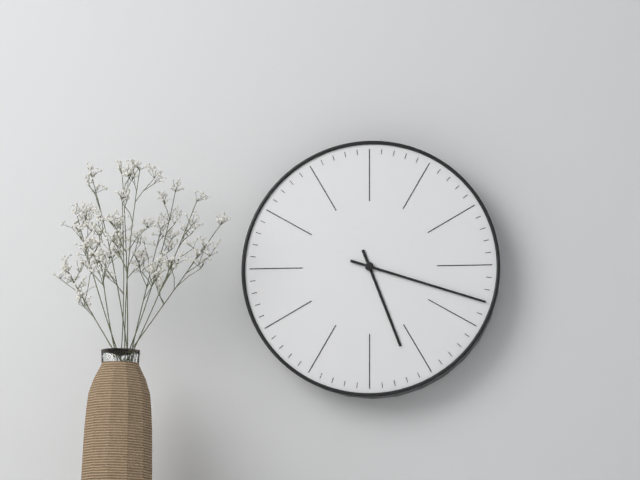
{"hour": 5, "minute": 18}
